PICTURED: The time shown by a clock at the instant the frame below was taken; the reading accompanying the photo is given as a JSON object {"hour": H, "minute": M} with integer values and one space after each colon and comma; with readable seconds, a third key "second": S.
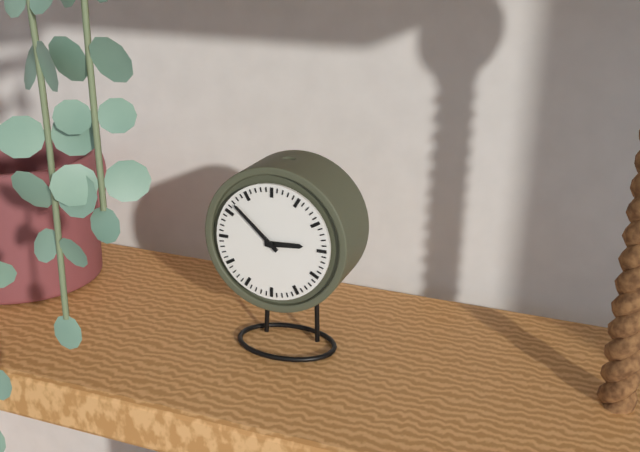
{"hour": 2, "minute": 52}
